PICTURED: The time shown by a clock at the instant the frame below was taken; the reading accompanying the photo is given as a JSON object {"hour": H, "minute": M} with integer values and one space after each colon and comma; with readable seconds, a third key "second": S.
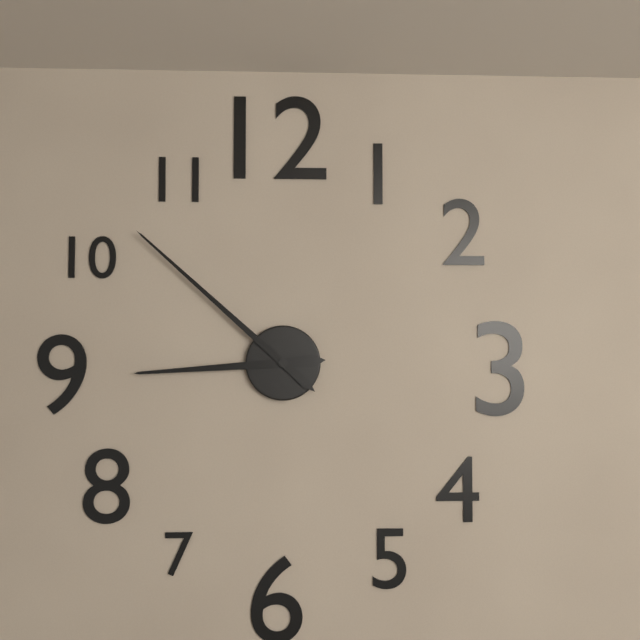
{"hour": 8, "minute": 52}
